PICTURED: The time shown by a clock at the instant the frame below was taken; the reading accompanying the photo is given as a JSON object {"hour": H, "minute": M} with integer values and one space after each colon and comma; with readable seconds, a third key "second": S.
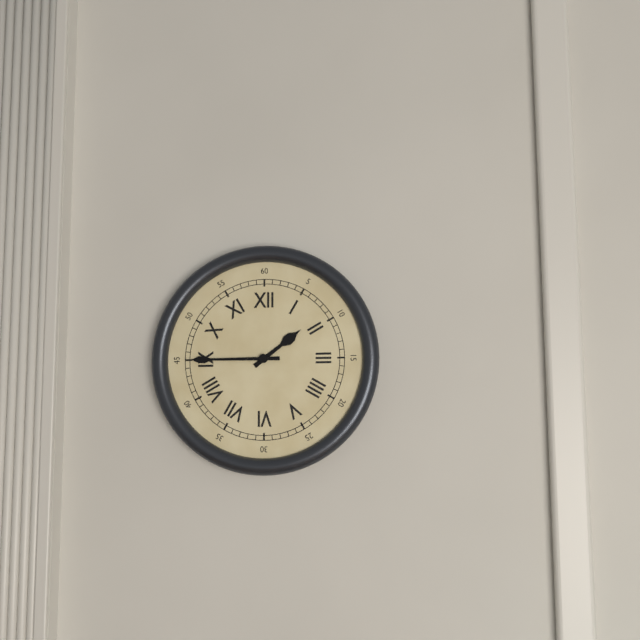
{"hour": 1, "minute": 45}
